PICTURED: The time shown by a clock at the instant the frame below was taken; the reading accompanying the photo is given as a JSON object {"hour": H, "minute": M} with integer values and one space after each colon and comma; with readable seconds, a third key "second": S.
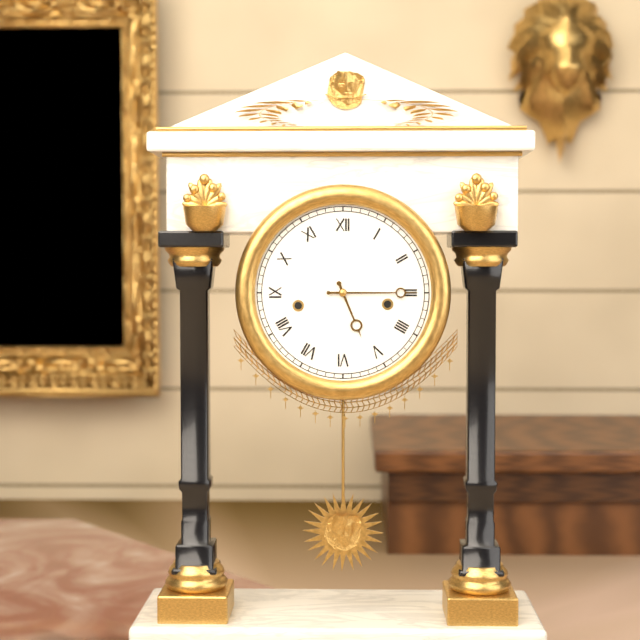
{"hour": 5, "minute": 15}
